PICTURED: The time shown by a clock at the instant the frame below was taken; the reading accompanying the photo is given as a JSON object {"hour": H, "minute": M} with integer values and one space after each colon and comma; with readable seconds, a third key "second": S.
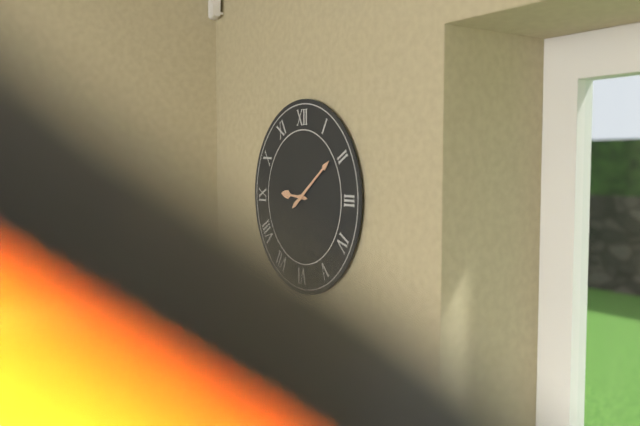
{"hour": 9, "minute": 9}
